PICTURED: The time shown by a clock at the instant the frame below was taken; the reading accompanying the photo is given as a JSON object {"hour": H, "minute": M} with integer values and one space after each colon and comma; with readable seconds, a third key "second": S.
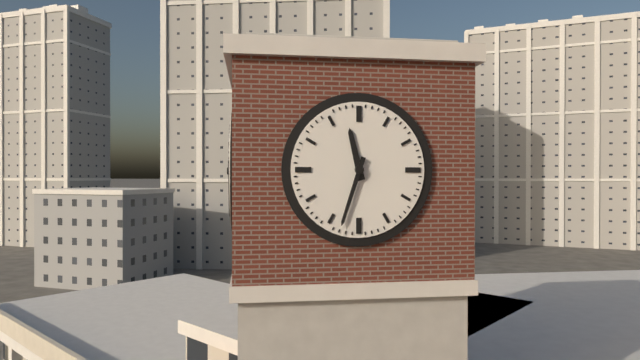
{"hour": 11, "minute": 33}
